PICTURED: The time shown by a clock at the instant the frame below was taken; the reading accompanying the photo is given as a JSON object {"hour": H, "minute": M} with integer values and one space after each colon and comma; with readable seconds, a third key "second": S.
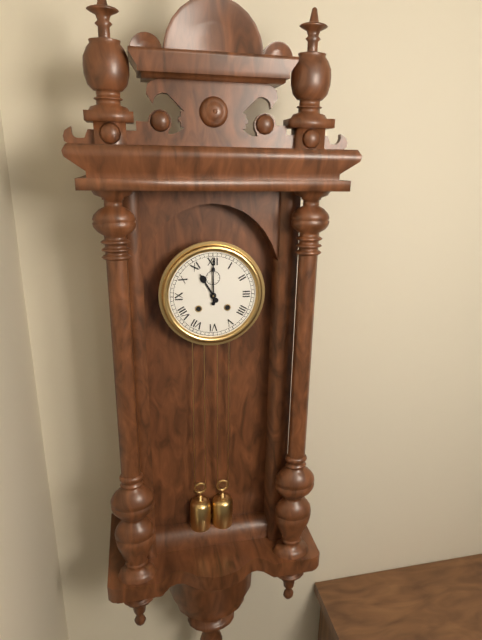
{"hour": 11, "minute": 0}
